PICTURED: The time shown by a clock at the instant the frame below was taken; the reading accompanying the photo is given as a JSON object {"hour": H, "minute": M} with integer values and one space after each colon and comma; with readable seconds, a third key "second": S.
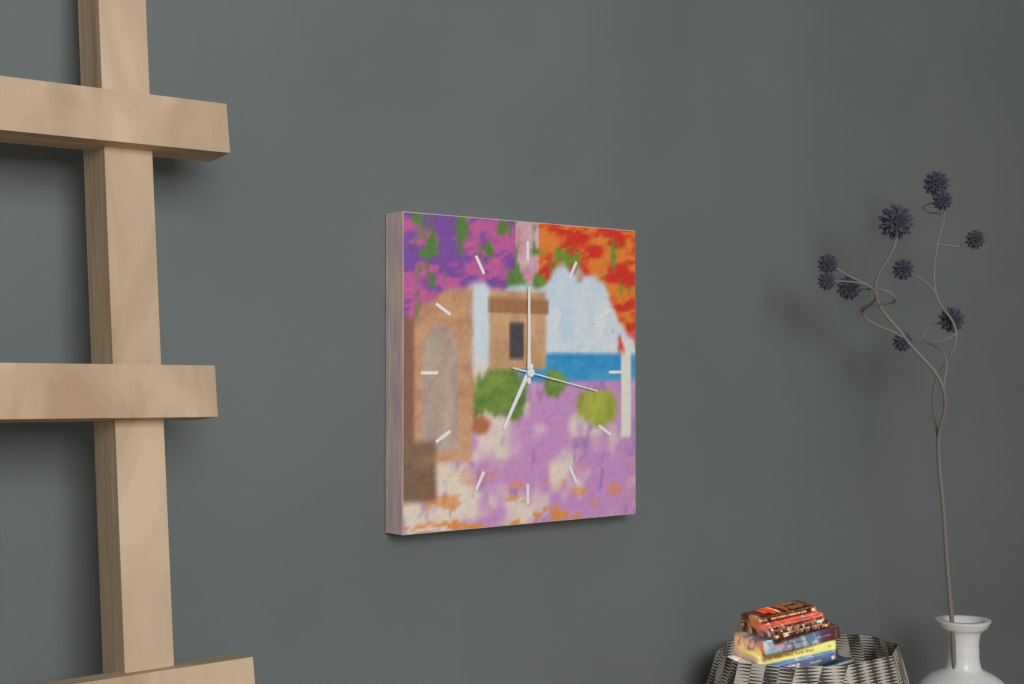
{"hour": 7, "minute": 0, "second": 17}
